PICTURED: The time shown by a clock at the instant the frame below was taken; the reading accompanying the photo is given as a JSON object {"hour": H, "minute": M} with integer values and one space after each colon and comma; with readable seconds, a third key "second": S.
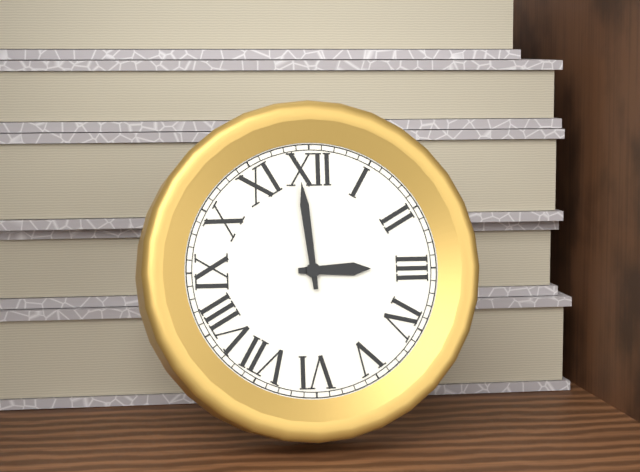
{"hour": 2, "minute": 59}
